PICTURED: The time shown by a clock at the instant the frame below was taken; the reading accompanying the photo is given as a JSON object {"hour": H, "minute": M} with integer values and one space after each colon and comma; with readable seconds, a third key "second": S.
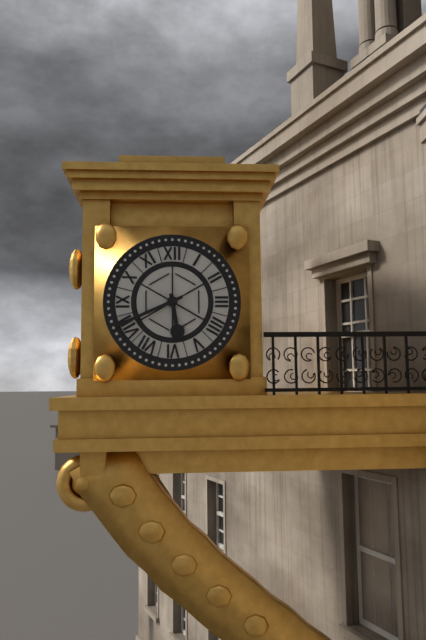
{"hour": 5, "minute": 41}
